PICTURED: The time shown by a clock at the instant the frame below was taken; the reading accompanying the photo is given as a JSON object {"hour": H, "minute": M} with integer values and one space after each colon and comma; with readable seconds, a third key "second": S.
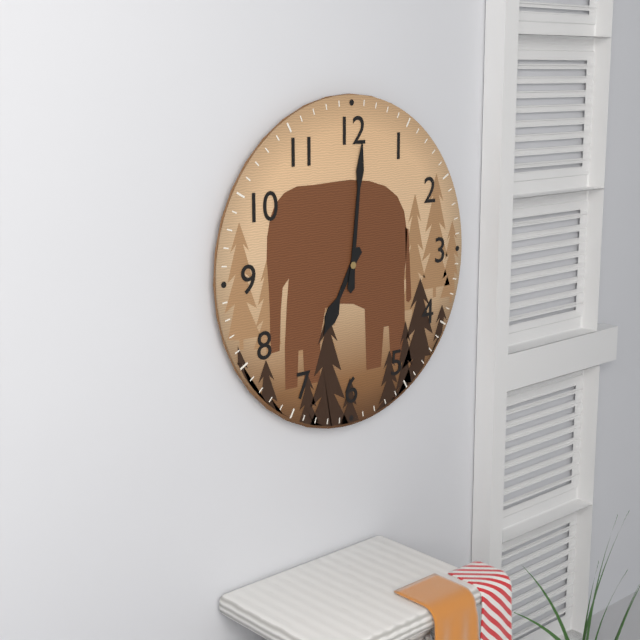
{"hour": 7, "minute": 1}
